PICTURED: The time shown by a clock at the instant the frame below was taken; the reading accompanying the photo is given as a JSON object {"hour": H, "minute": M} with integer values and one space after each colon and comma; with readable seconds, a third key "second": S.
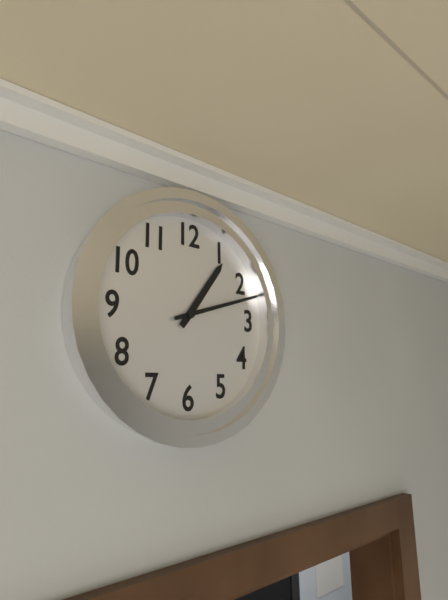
{"hour": 1, "minute": 12}
